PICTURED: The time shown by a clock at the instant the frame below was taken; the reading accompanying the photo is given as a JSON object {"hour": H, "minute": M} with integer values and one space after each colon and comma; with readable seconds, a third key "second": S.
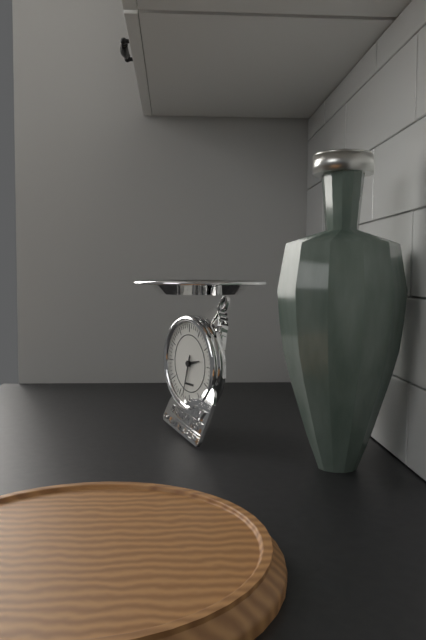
{"hour": 2, "minute": 33}
